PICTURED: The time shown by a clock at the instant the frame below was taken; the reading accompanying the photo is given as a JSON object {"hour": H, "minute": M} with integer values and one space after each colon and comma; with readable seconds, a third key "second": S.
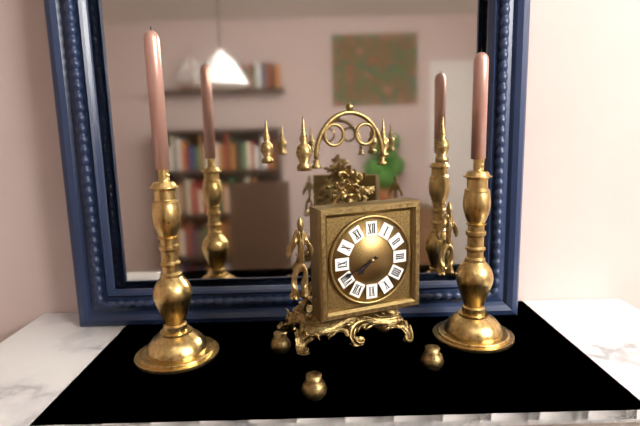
{"hour": 7, "minute": 41}
